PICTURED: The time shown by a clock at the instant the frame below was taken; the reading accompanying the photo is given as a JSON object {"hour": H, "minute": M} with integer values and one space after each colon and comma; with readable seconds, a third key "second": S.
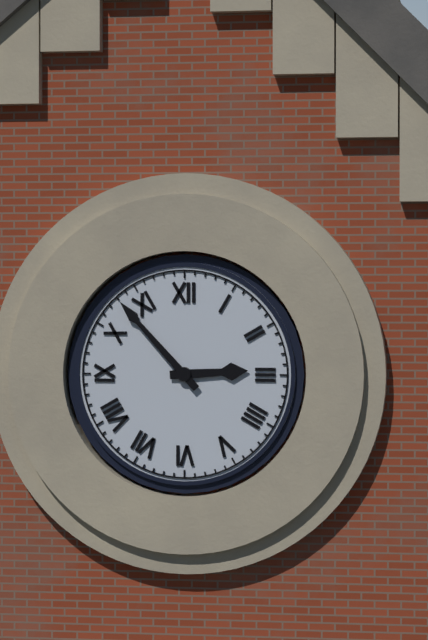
{"hour": 2, "minute": 53}
